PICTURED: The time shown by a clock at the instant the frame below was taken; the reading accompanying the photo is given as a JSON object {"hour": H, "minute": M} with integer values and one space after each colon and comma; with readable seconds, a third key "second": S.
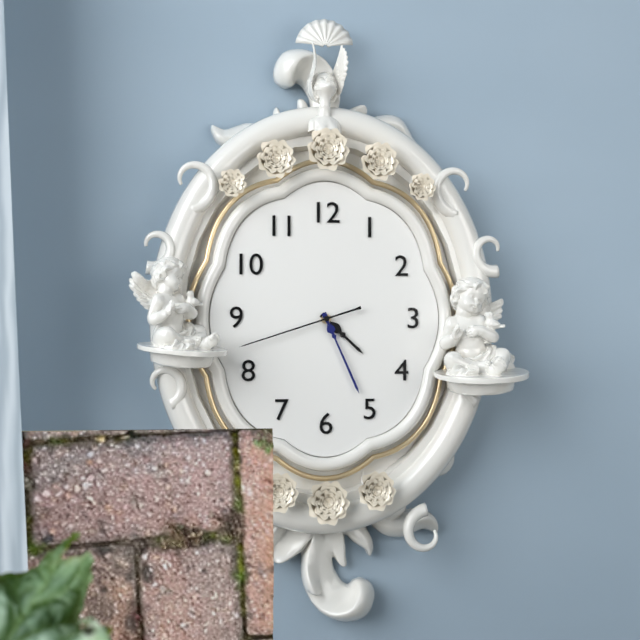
{"hour": 4, "minute": 26, "second": 42}
